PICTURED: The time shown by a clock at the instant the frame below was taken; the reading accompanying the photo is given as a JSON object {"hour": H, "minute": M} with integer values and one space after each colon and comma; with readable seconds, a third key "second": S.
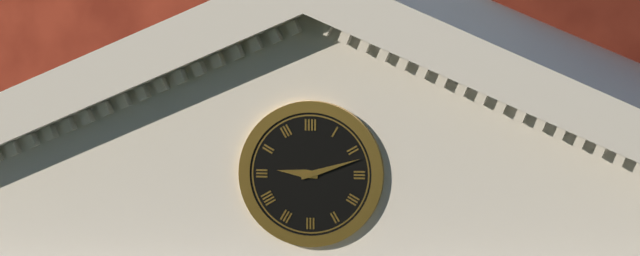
{"hour": 9, "minute": 12}
